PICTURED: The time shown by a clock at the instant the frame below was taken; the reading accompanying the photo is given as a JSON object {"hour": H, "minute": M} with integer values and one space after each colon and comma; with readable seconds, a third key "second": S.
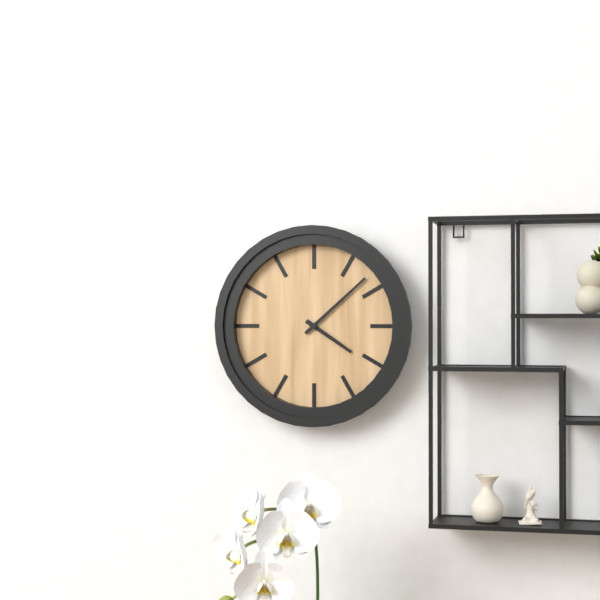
{"hour": 4, "minute": 8}
